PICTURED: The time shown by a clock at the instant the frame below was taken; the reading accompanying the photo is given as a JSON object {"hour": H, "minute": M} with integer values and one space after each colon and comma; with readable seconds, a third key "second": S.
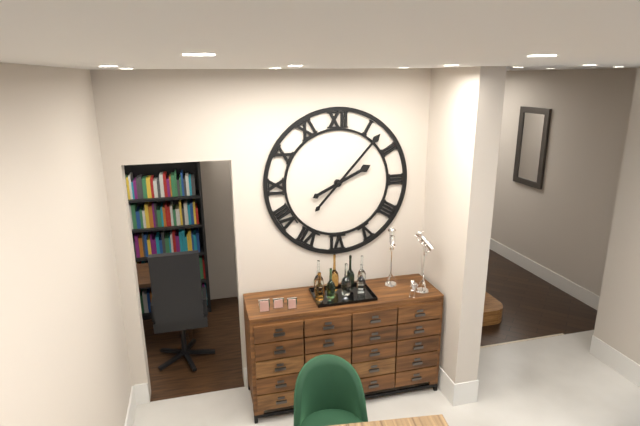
{"hour": 2, "minute": 7}
